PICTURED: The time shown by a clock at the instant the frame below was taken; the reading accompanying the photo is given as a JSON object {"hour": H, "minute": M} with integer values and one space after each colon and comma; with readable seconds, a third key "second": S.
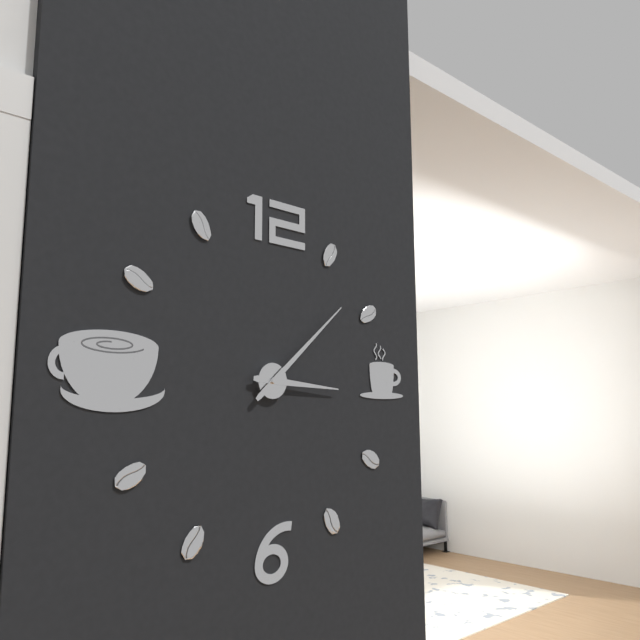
{"hour": 3, "minute": 8}
